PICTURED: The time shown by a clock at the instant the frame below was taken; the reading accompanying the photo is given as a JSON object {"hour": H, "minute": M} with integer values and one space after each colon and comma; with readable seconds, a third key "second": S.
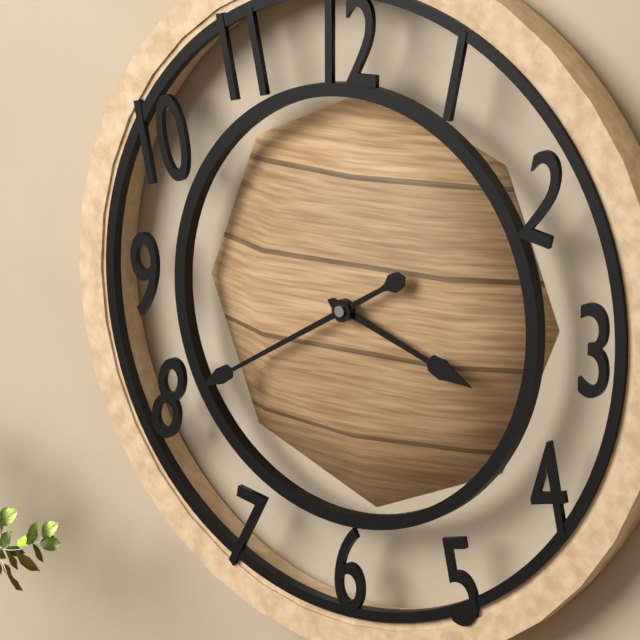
{"hour": 3, "minute": 40}
